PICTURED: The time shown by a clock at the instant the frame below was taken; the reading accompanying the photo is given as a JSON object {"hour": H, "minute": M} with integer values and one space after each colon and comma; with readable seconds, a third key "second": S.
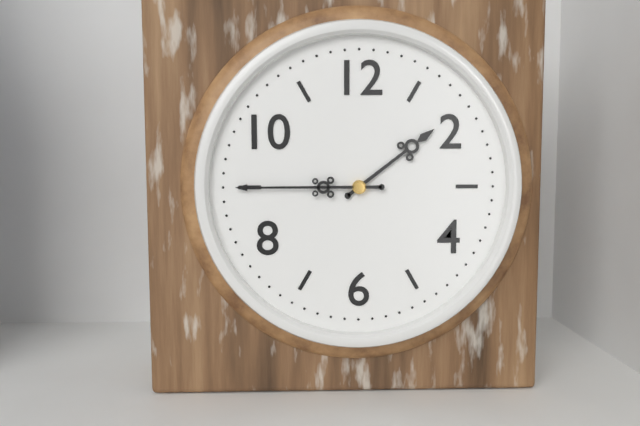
{"hour": 1, "minute": 45}
